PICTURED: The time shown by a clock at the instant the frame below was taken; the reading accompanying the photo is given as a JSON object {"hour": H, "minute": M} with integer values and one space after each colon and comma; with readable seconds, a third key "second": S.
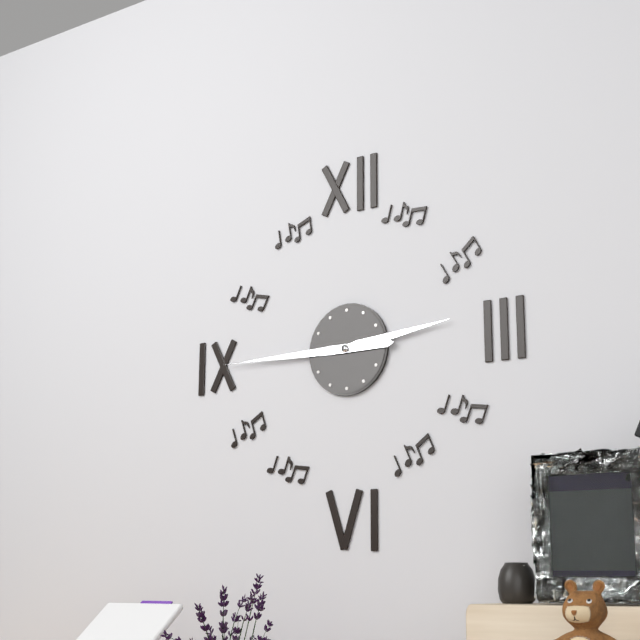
{"hour": 2, "minute": 45}
